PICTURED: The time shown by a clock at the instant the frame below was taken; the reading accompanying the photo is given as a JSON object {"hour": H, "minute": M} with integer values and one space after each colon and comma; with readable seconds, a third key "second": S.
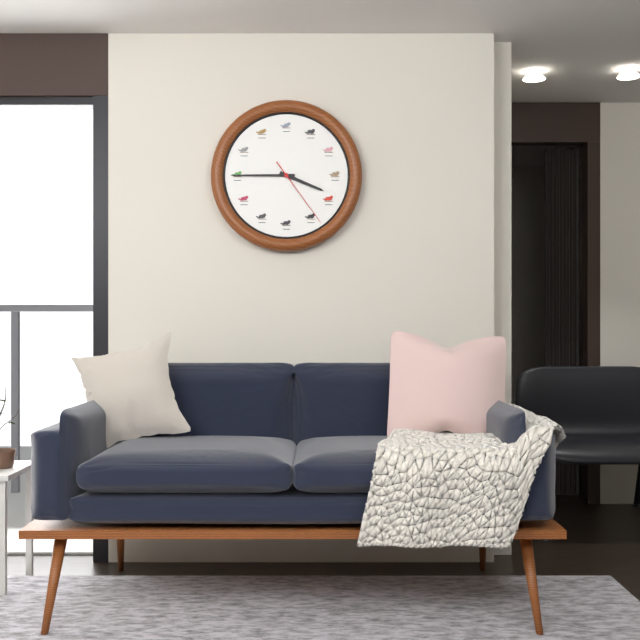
{"hour": 3, "minute": 45, "second": 24}
